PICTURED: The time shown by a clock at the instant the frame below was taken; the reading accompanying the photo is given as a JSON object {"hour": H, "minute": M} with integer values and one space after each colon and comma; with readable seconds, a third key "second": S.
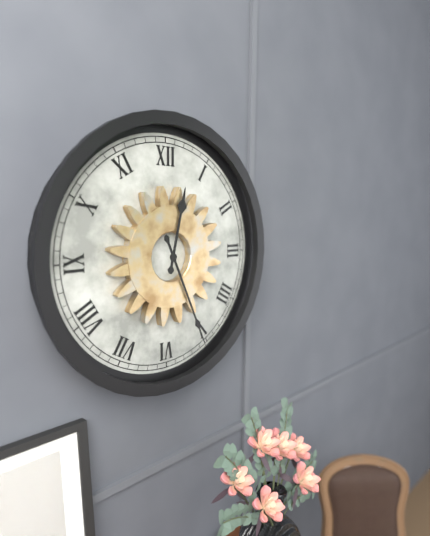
{"hour": 12, "minute": 26}
